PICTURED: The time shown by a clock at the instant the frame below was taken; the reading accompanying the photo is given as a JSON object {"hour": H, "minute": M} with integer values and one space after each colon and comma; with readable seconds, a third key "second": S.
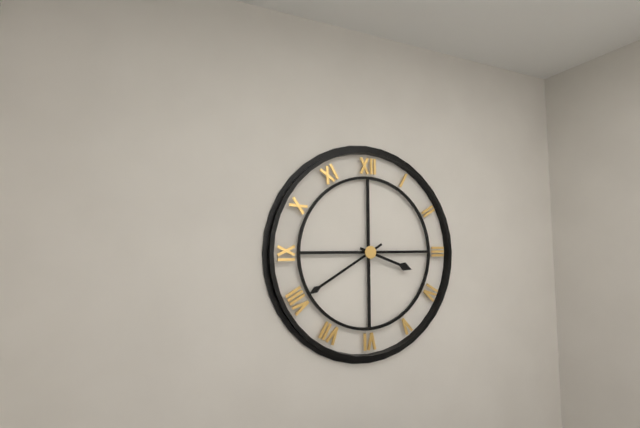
{"hour": 3, "minute": 40}
